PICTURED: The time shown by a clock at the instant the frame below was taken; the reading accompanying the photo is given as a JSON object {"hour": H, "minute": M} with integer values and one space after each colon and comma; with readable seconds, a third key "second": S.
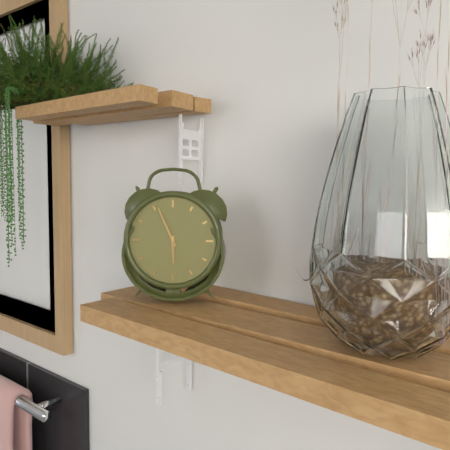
{"hour": 5, "minute": 56}
